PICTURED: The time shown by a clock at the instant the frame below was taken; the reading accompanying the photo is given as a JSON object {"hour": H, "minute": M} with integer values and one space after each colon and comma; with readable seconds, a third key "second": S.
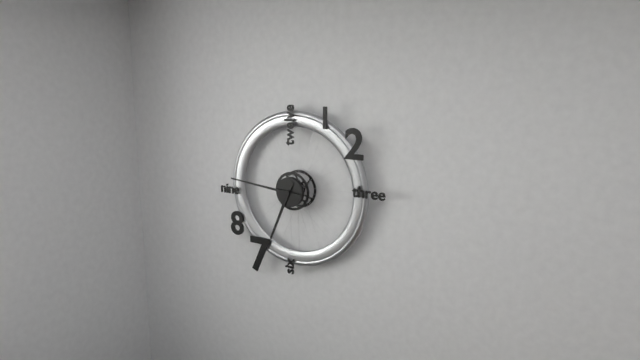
{"hour": 6, "minute": 46}
